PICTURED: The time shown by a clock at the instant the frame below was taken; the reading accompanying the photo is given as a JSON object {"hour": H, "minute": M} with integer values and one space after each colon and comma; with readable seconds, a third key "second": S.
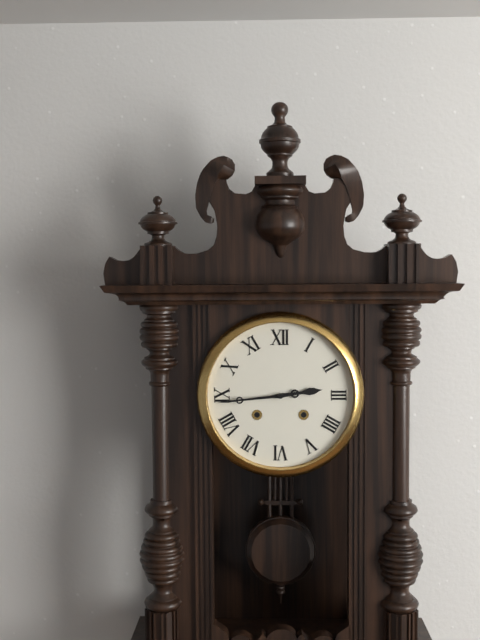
{"hour": 2, "minute": 44}
